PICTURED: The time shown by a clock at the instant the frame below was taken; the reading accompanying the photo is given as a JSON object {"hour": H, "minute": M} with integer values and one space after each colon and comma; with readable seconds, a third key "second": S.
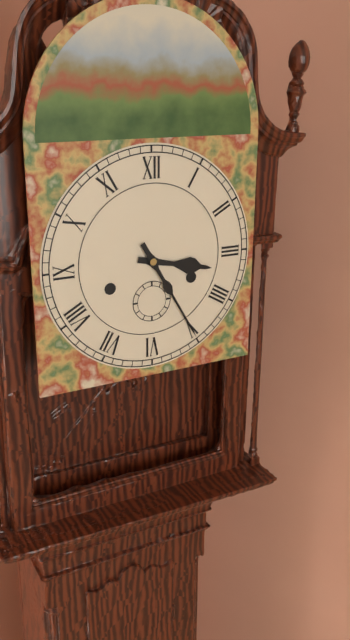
{"hour": 3, "minute": 25}
